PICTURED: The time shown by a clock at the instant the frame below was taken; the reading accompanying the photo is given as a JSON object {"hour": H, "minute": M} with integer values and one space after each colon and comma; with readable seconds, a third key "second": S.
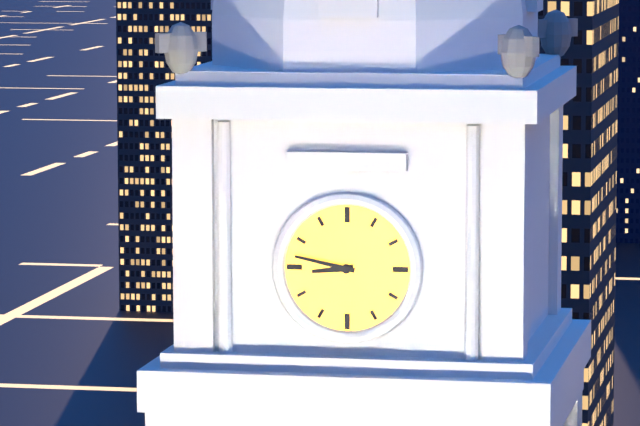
{"hour": 8, "minute": 47}
